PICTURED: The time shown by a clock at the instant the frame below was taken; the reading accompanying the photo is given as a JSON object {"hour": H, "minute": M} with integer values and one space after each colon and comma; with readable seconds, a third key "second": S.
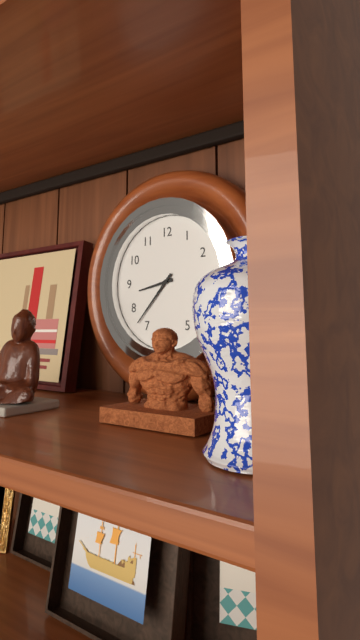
{"hour": 8, "minute": 37}
